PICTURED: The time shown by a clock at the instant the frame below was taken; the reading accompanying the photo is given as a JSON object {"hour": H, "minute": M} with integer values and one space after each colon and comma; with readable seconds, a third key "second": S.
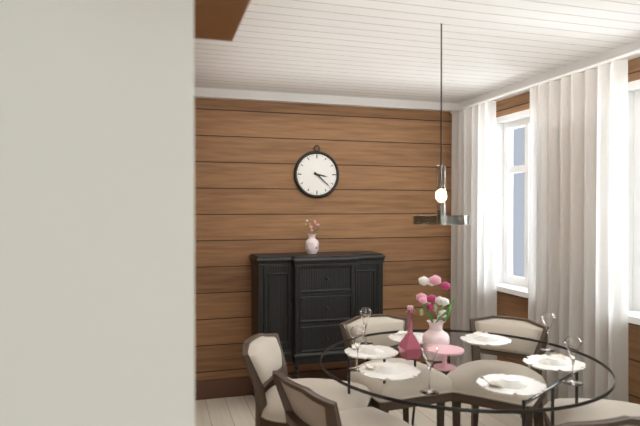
{"hour": 3, "minute": 22}
